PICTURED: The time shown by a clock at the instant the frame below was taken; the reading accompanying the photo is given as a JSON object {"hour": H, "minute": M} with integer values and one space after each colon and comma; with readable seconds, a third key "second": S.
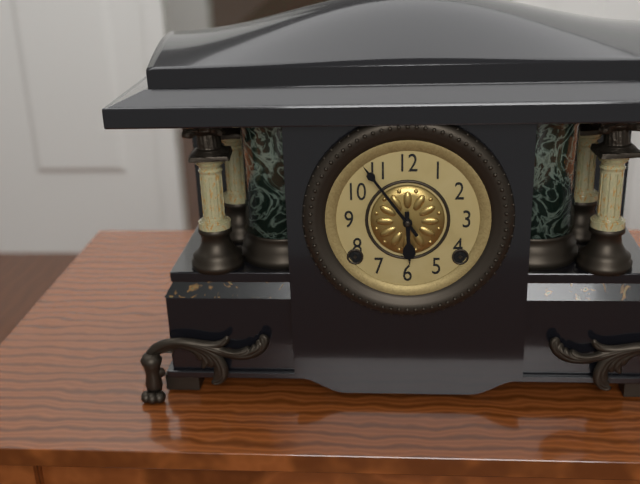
{"hour": 5, "minute": 54}
